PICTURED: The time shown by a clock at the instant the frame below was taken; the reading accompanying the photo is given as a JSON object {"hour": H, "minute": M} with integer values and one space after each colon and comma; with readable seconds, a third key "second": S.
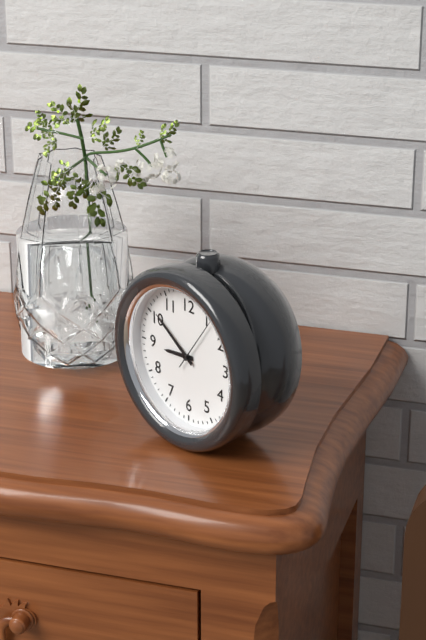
{"hour": 8, "minute": 51, "second": 6}
